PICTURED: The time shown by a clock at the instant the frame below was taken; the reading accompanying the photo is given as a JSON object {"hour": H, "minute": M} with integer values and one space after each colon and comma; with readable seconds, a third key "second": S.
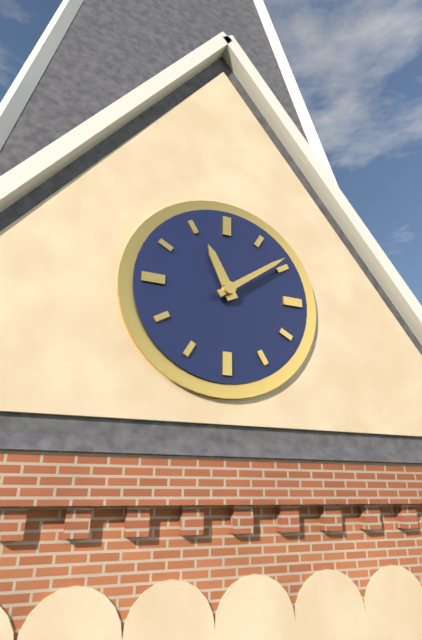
{"hour": 11, "minute": 9}
